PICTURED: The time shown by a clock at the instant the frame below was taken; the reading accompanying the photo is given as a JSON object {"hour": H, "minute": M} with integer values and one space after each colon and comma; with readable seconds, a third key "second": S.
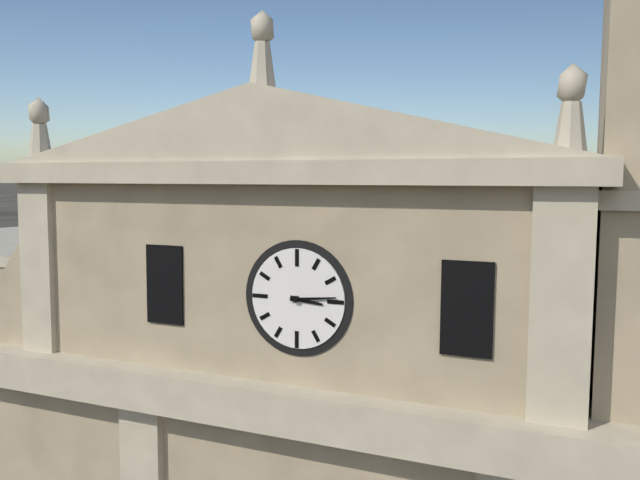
{"hour": 3, "minute": 14}
